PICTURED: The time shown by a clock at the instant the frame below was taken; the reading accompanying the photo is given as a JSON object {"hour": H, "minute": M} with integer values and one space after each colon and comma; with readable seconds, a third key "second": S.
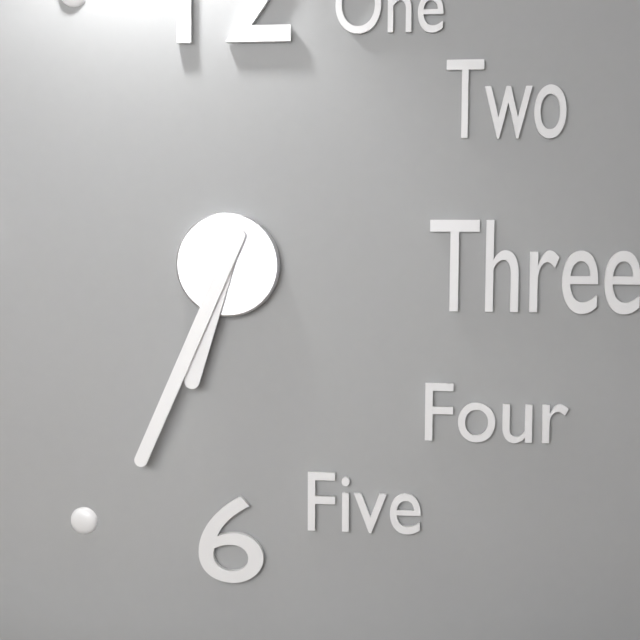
{"hour": 6, "minute": 34}
